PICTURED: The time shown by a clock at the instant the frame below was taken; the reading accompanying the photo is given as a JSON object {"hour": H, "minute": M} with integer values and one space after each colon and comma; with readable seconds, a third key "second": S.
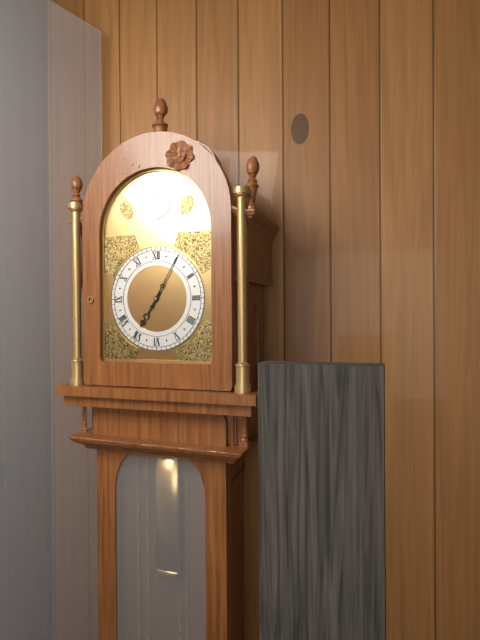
{"hour": 7, "minute": 5}
